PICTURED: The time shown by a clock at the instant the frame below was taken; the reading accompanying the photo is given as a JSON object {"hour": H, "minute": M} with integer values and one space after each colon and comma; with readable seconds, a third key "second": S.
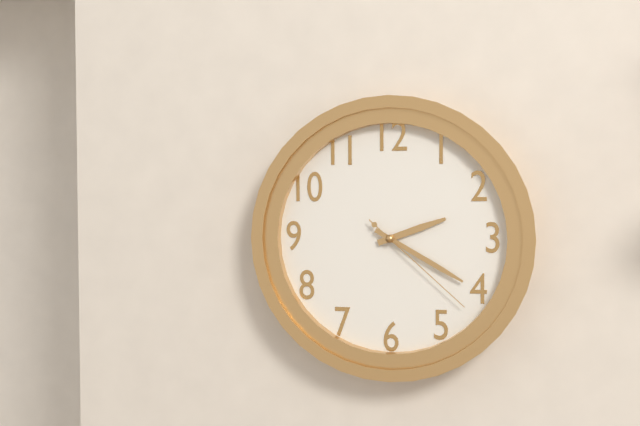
{"hour": 2, "minute": 20, "second": 22}
